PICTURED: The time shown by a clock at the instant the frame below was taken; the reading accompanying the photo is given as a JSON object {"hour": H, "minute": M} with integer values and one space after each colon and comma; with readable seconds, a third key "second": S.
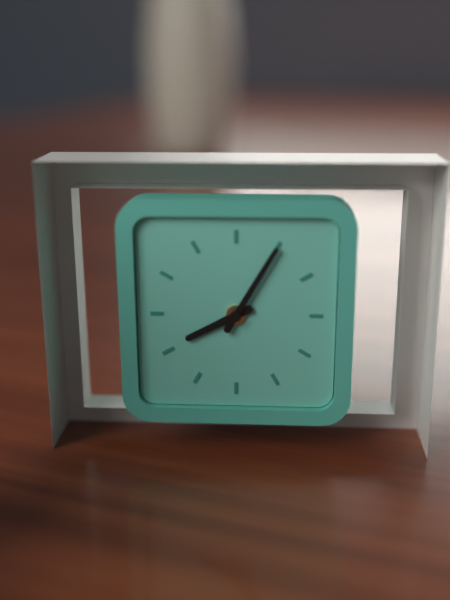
{"hour": 8, "minute": 5}
